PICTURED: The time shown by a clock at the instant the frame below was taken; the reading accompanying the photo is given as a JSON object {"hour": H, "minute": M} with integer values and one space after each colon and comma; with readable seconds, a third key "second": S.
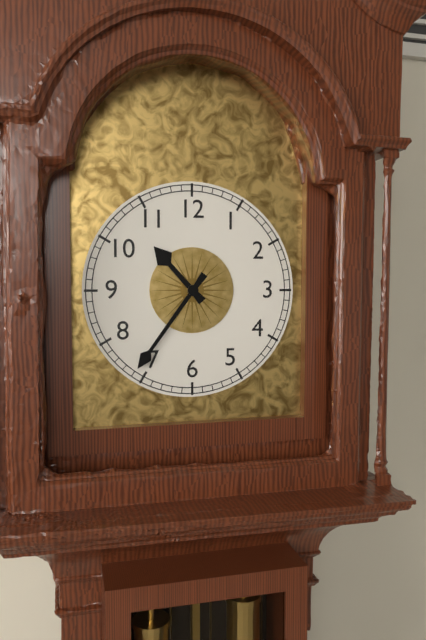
{"hour": 10, "minute": 36}
